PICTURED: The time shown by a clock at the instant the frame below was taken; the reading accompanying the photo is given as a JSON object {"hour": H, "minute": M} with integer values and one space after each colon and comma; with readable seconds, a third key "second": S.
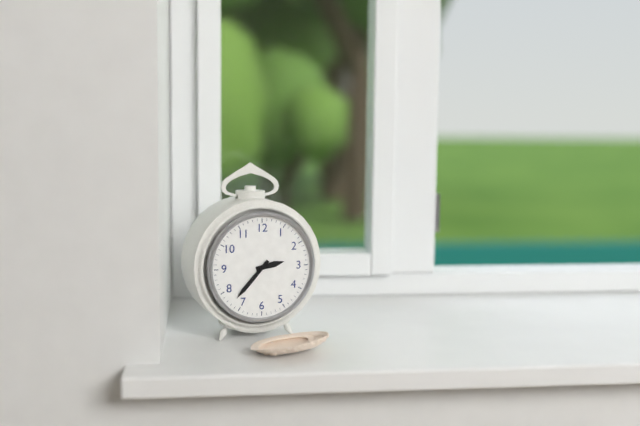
{"hour": 2, "minute": 37}
